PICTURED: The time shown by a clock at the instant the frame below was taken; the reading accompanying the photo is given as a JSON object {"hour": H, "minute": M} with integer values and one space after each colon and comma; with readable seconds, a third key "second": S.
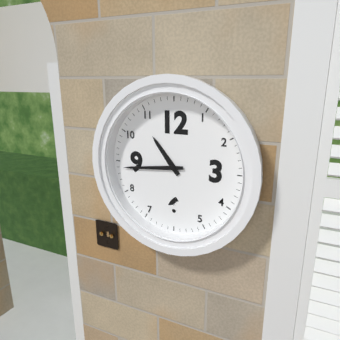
{"hour": 10, "minute": 44}
